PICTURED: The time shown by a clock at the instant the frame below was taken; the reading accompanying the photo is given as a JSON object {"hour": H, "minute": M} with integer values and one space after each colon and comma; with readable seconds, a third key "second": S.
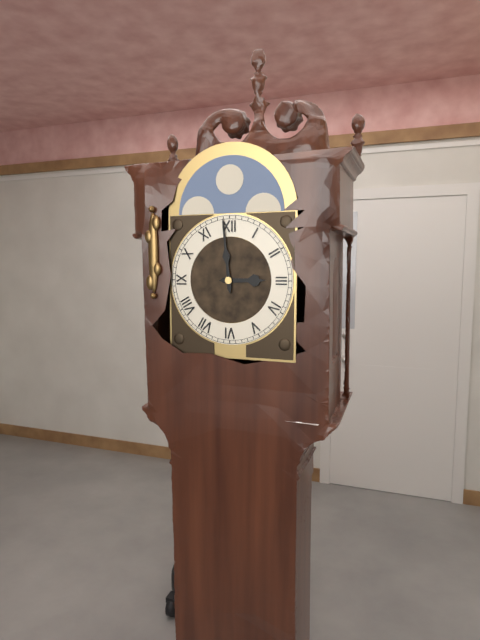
{"hour": 2, "minute": 59}
